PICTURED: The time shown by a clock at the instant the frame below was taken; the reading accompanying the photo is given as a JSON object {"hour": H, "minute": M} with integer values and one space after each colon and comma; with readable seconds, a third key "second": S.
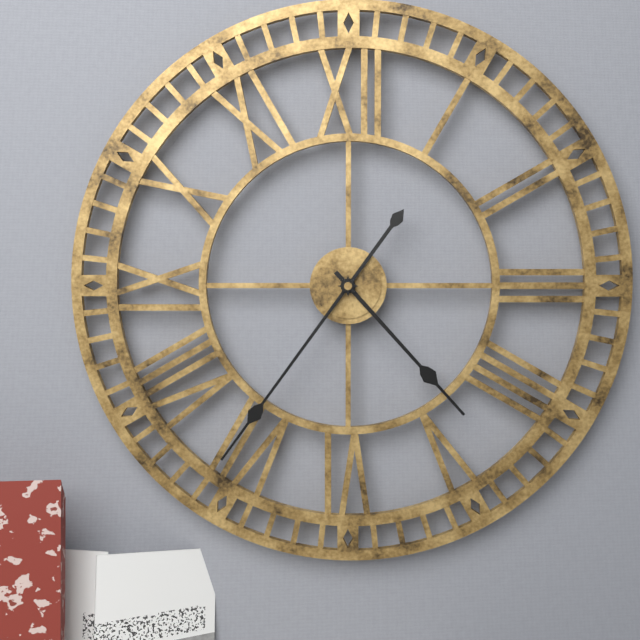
{"hour": 4, "minute": 36}
